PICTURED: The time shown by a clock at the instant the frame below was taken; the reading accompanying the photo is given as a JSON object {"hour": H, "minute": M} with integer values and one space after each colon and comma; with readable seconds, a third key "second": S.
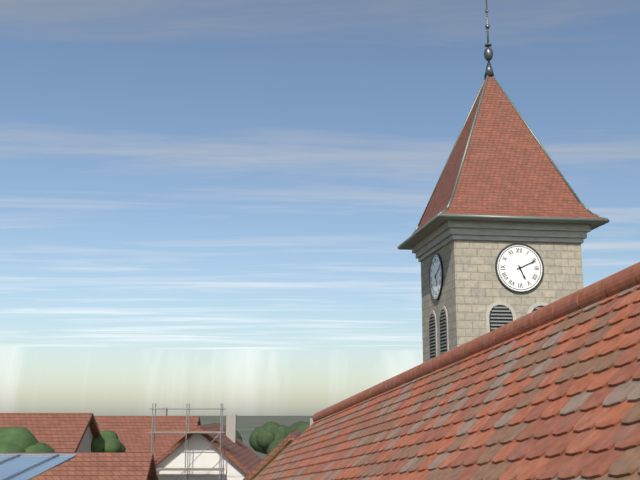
{"hour": 5, "minute": 11}
